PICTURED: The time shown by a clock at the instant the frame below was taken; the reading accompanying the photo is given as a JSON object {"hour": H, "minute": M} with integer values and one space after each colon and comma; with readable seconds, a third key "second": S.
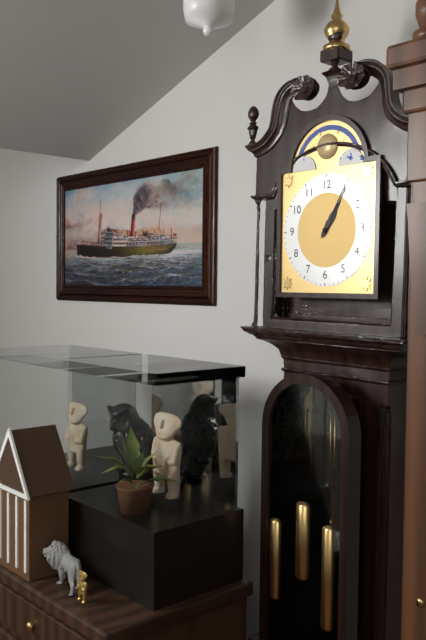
{"hour": 1, "minute": 5}
